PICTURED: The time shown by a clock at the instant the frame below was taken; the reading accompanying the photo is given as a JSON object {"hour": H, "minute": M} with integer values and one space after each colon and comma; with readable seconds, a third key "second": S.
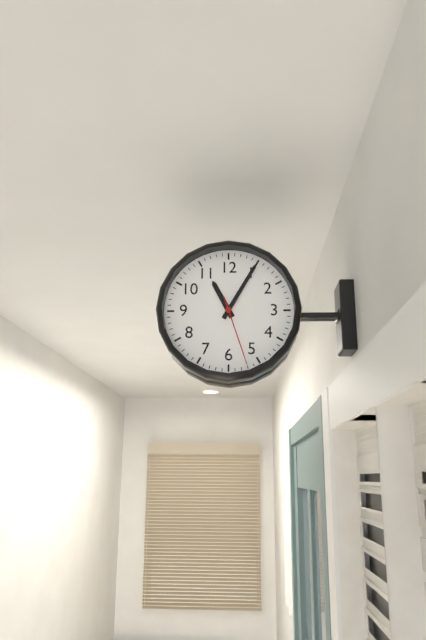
{"hour": 11, "minute": 5, "second": 27}
